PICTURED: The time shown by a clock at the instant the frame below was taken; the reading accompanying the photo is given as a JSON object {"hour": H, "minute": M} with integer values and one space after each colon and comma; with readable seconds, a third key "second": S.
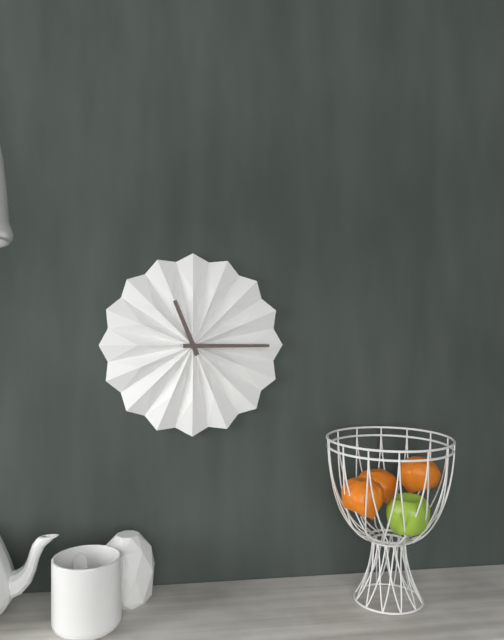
{"hour": 11, "minute": 15}
